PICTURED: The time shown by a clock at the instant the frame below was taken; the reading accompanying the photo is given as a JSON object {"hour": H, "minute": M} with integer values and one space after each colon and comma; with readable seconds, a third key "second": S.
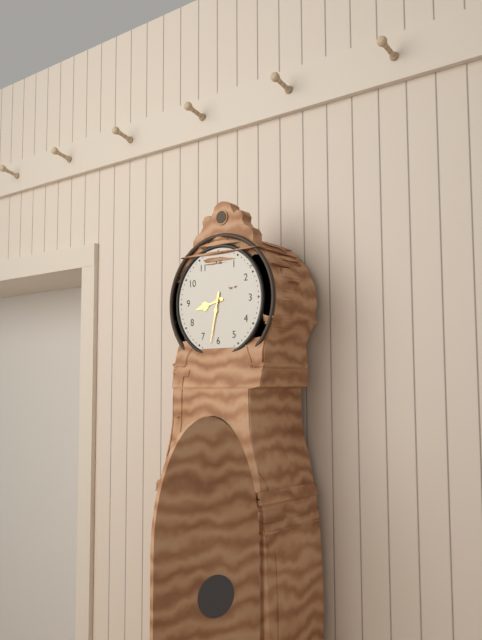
{"hour": 8, "minute": 32}
